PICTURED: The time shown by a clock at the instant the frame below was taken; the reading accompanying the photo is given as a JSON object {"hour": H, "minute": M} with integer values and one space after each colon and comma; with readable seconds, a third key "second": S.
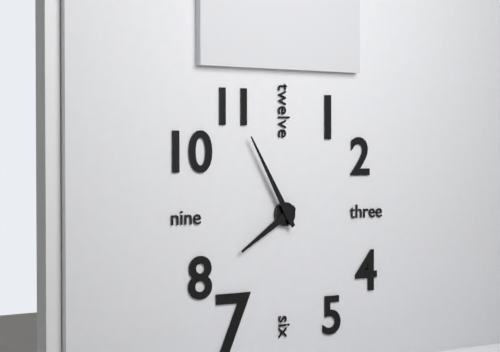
{"hour": 7, "minute": 55}
